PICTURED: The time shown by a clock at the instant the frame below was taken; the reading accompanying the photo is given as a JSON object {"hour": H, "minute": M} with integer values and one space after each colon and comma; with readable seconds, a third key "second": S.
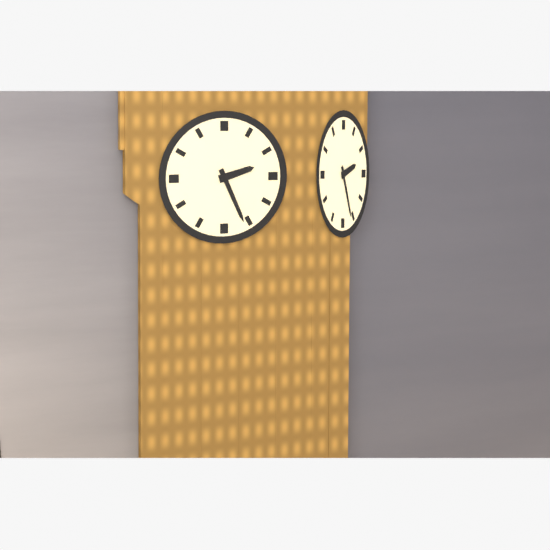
{"hour": 2, "minute": 26}
